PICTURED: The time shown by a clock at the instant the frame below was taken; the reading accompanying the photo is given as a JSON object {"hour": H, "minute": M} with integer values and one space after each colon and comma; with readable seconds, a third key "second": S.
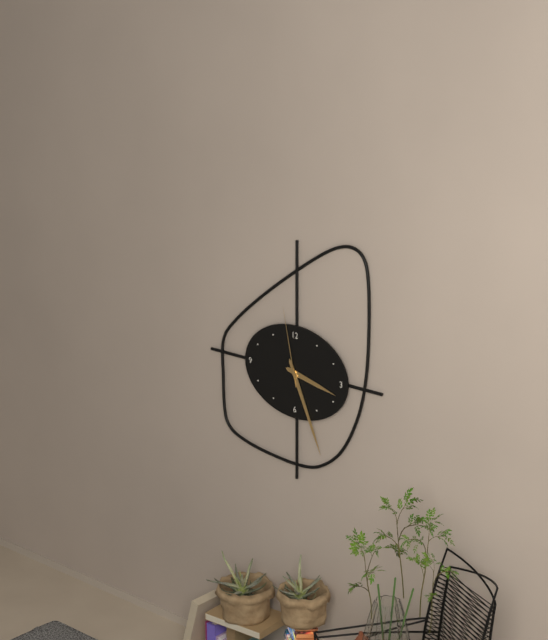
{"hour": 3, "minute": 26, "second": 58}
